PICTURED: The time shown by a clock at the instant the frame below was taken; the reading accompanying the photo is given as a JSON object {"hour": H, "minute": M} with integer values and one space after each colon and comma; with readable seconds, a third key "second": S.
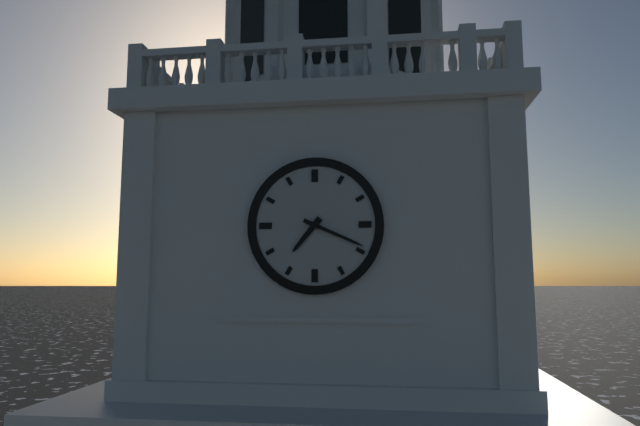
{"hour": 7, "minute": 19}
